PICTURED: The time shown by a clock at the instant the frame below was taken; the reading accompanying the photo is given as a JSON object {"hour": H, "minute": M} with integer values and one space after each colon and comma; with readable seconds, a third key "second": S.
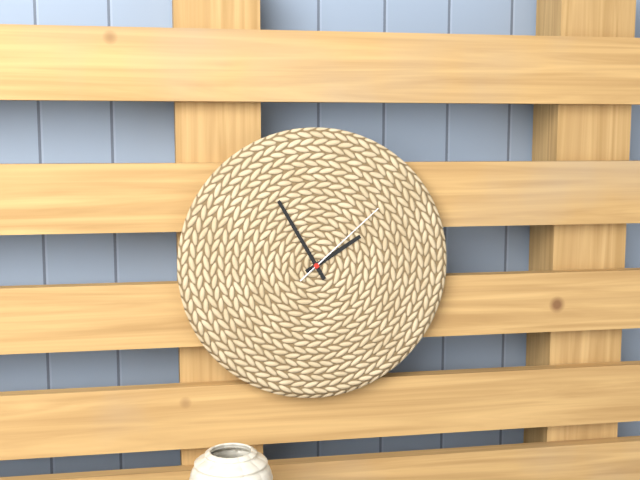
{"hour": 1, "minute": 55, "second": 8}
